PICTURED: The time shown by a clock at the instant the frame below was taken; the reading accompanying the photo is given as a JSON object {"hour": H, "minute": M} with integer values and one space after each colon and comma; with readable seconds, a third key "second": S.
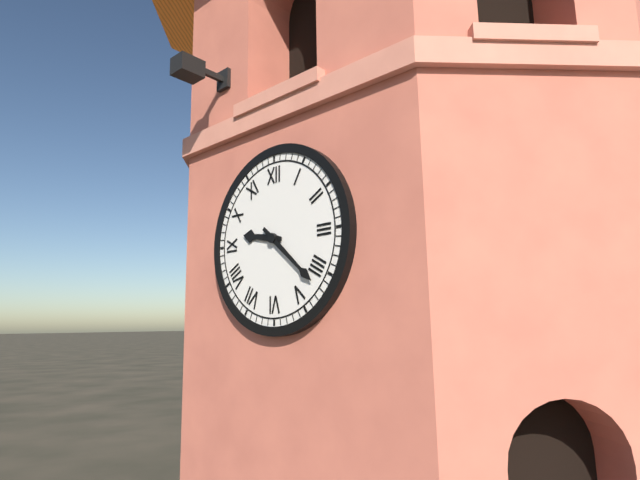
{"hour": 9, "minute": 22}
